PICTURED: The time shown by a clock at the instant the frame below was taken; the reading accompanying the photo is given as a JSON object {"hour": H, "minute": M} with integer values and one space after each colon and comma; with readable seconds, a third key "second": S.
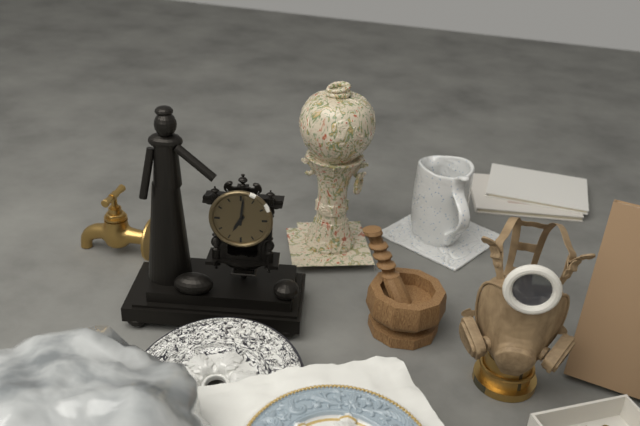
{"hour": 7, "minute": 1}
